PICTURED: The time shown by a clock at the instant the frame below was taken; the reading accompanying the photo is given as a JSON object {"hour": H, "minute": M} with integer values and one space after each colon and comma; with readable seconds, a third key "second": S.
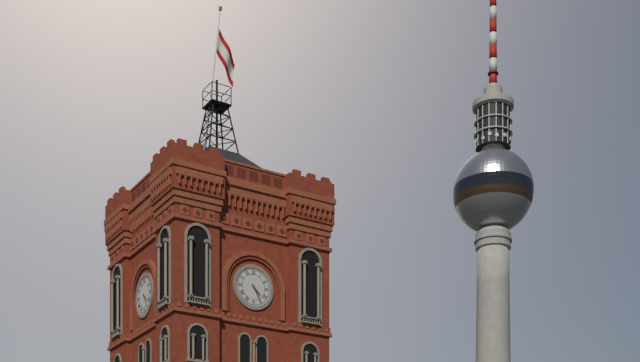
{"hour": 4, "minute": 25}
